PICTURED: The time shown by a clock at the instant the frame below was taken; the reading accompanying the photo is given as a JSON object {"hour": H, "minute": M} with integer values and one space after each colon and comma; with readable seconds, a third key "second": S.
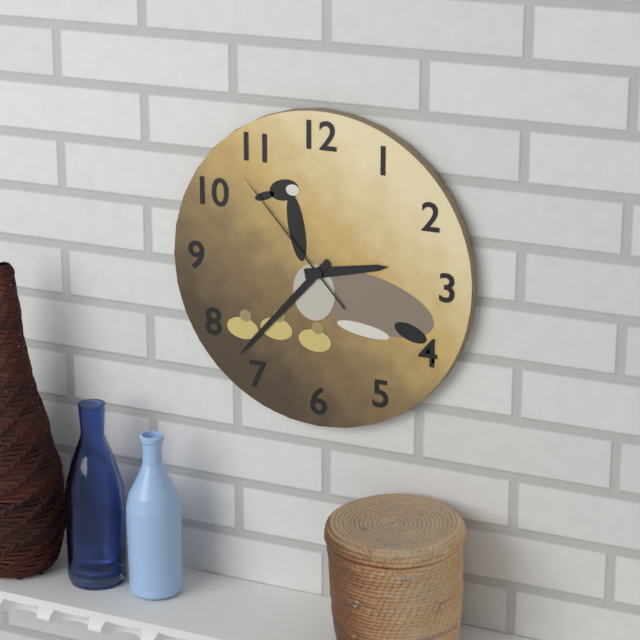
{"hour": 2, "minute": 37, "second": 53}
